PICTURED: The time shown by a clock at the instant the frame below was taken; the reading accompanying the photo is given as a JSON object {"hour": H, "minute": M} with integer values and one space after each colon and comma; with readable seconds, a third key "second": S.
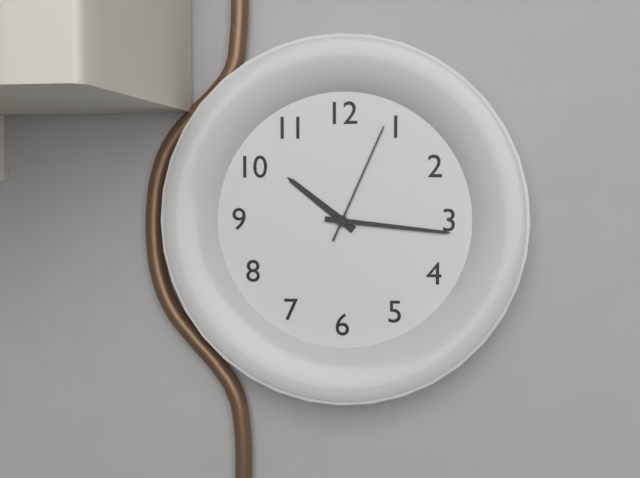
{"hour": 10, "minute": 16, "second": 4}
